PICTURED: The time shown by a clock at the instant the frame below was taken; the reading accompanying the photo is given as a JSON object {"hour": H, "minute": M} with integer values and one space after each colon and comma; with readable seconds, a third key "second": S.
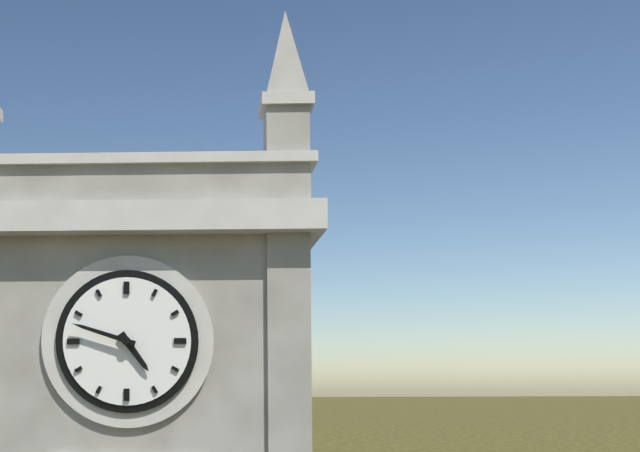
{"hour": 4, "minute": 48}
